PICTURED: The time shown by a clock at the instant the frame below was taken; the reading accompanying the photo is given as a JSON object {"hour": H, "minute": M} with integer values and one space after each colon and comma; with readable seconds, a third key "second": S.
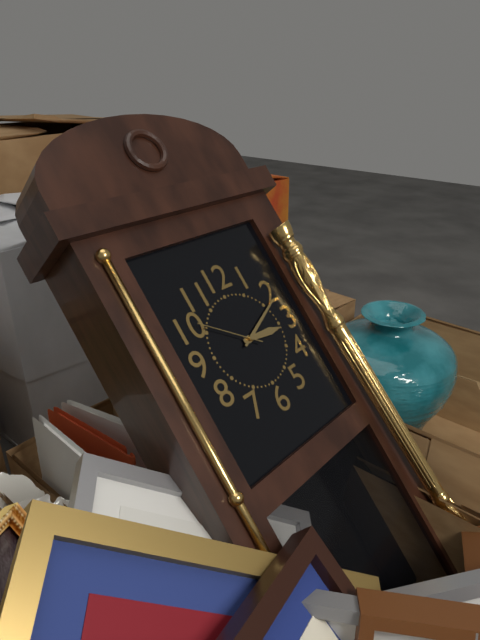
{"hour": 3, "minute": 11, "second": 51}
